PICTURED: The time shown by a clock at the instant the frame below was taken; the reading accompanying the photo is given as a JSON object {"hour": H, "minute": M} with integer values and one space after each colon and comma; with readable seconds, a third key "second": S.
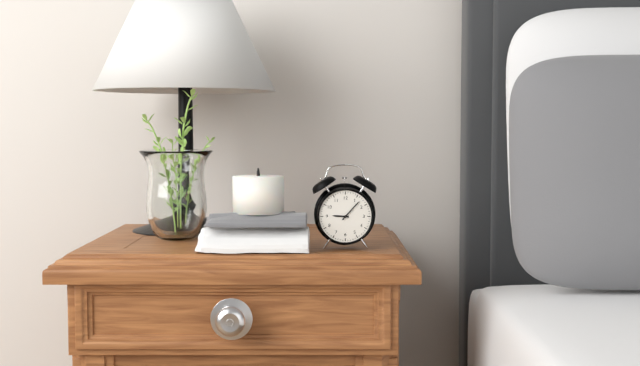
{"hour": 9, "minute": 7}
